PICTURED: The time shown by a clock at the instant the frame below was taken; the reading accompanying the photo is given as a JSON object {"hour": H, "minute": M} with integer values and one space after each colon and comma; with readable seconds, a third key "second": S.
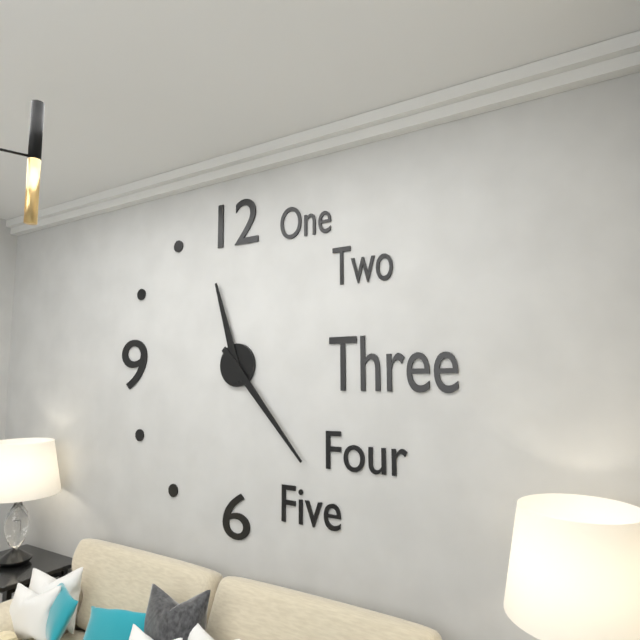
{"hour": 11, "minute": 23}
